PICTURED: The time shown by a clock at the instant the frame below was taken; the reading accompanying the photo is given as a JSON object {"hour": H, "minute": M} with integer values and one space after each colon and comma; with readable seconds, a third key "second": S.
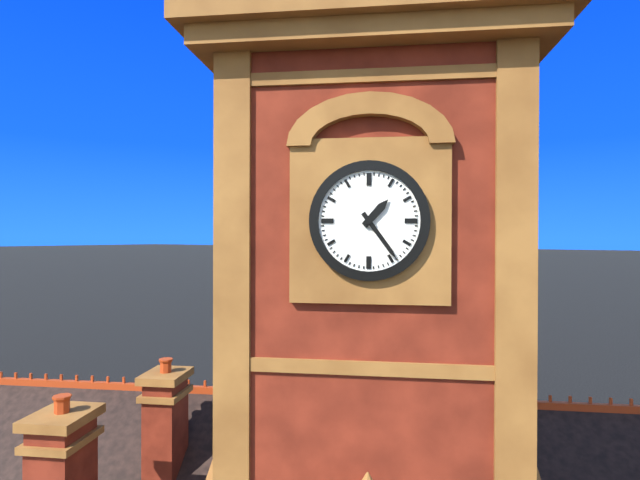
{"hour": 1, "minute": 24}
